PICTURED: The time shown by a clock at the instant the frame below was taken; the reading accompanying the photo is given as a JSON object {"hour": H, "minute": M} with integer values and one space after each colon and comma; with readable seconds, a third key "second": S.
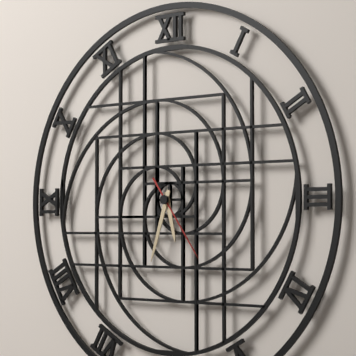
{"hour": 5, "minute": 33, "second": 24}
